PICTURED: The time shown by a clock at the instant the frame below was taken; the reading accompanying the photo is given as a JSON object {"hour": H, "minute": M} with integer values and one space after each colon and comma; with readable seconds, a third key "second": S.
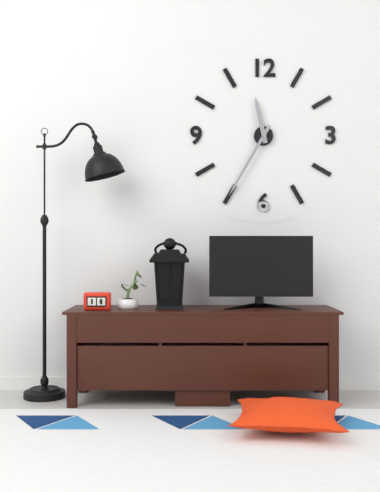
{"hour": 11, "minute": 35}
